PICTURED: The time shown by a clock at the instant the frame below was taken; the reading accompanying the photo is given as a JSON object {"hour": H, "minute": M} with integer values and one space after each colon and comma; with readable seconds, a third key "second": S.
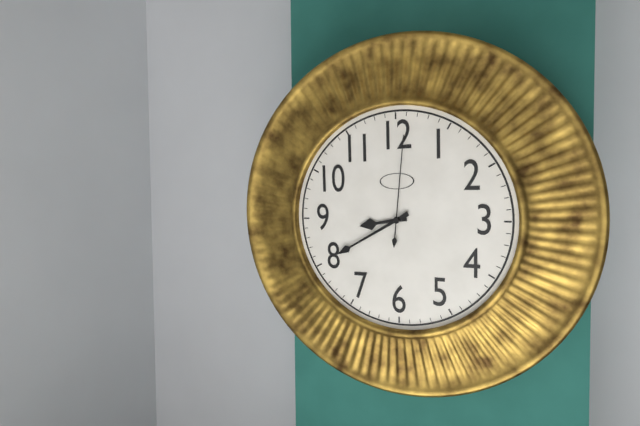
{"hour": 8, "minute": 40, "second": 1}
